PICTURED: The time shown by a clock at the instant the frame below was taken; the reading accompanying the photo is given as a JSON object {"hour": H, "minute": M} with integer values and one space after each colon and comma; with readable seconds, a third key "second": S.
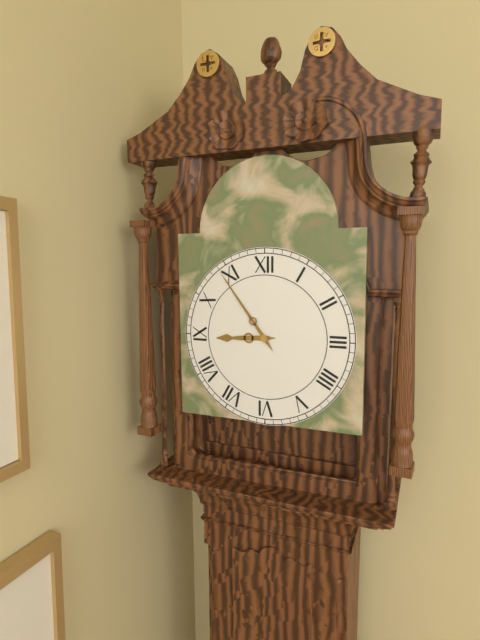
{"hour": 8, "minute": 54}
